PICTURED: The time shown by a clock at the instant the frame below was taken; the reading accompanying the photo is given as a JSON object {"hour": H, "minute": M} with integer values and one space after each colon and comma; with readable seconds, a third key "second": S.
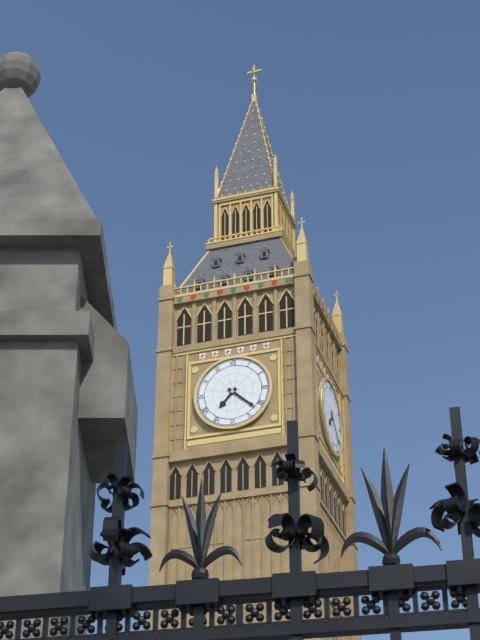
{"hour": 7, "minute": 22}
